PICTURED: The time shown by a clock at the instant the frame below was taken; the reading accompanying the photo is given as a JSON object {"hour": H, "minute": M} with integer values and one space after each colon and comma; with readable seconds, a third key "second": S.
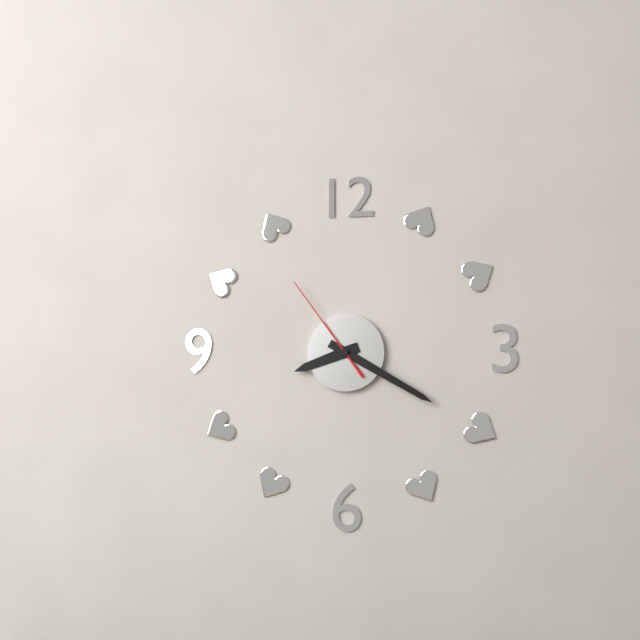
{"hour": 8, "minute": 20, "second": 54}
